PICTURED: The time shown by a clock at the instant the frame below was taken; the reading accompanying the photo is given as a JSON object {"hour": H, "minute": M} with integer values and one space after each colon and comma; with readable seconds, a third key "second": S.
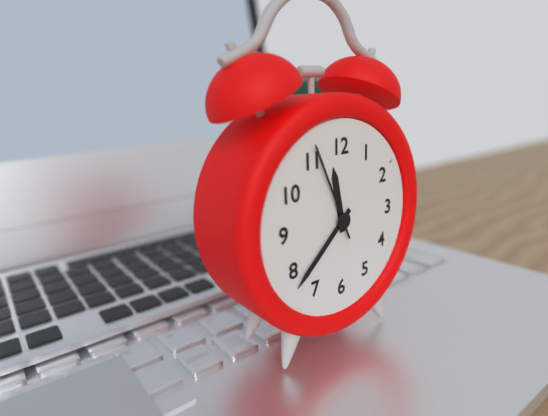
{"hour": 11, "minute": 38, "second": 56}
